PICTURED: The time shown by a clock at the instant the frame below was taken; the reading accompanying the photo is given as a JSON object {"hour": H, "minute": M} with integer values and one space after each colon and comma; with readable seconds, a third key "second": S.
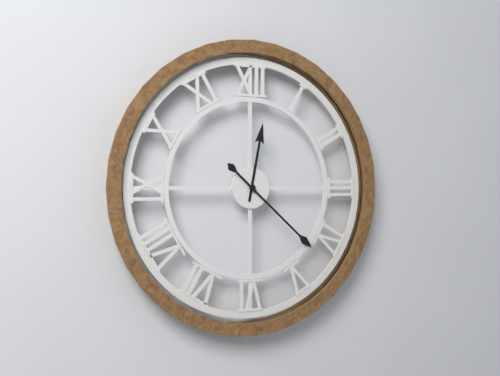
{"hour": 12, "minute": 22}
